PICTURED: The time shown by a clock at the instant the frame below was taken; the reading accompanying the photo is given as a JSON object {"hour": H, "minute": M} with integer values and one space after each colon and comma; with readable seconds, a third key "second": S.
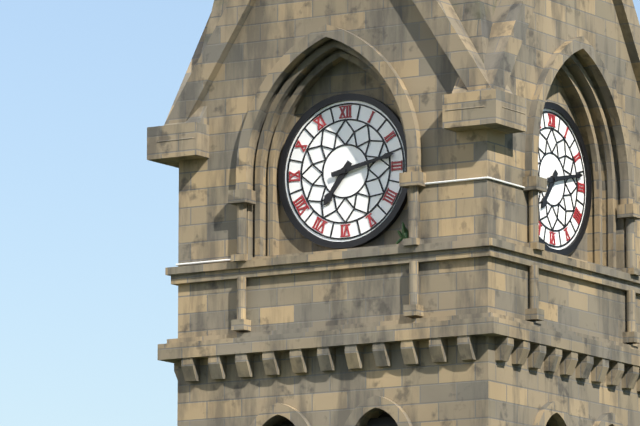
{"hour": 7, "minute": 13}
